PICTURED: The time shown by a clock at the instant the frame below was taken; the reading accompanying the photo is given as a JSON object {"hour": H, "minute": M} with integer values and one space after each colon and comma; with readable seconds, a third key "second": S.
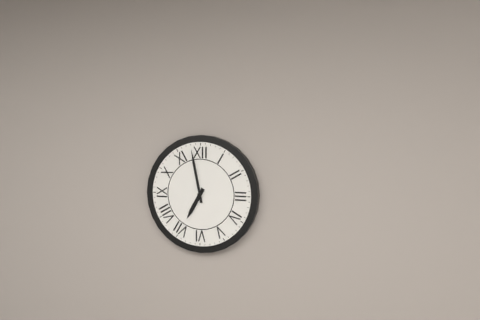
{"hour": 6, "minute": 58}
